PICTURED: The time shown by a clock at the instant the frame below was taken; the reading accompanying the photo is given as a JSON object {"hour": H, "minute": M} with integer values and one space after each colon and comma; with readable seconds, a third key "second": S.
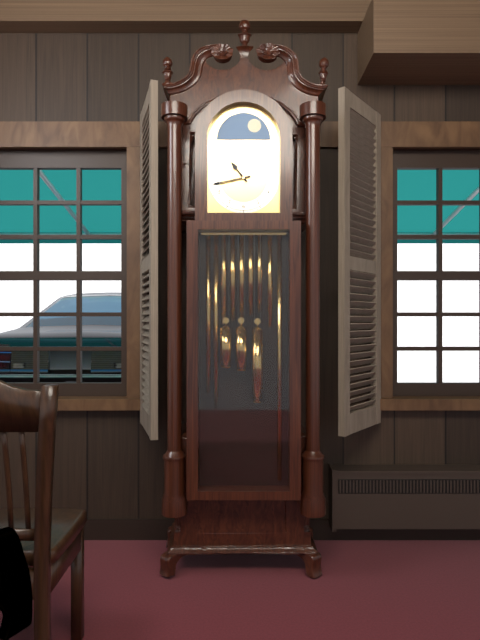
{"hour": 10, "minute": 43}
